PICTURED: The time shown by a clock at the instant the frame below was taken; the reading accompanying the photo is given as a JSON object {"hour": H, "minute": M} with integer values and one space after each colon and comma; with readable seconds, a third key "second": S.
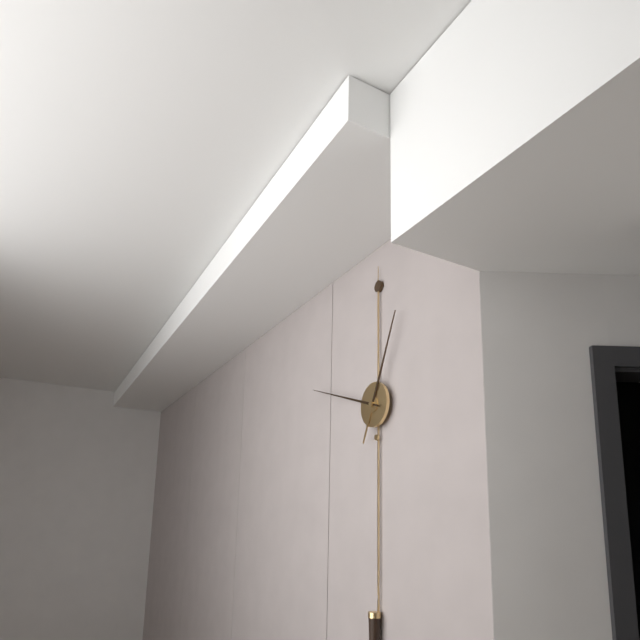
{"hour": 12, "minute": 48}
